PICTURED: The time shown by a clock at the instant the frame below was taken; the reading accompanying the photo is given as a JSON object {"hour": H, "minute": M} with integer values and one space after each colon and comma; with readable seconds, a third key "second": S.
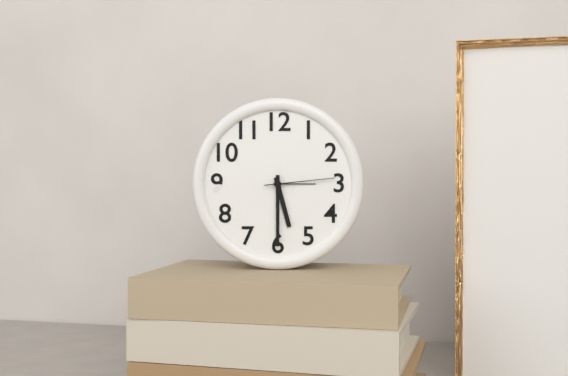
{"hour": 5, "minute": 30, "second": 14}
